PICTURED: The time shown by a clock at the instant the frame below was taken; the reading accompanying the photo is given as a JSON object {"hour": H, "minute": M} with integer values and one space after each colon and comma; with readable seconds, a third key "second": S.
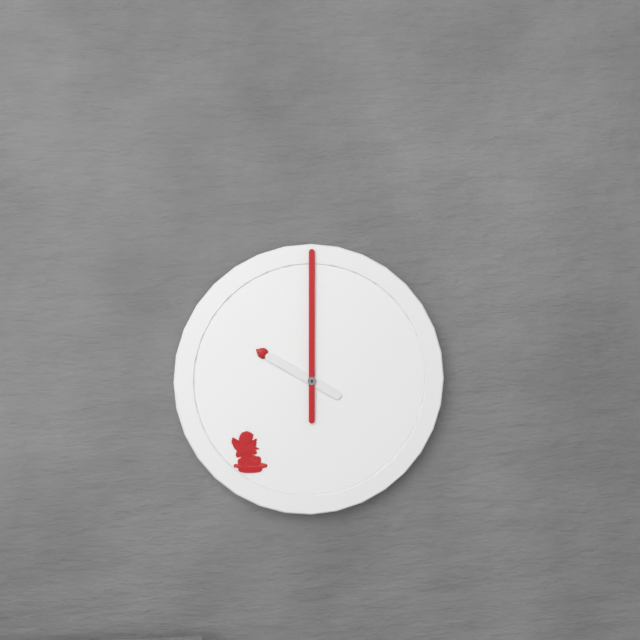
{"hour": 10, "minute": 0}
